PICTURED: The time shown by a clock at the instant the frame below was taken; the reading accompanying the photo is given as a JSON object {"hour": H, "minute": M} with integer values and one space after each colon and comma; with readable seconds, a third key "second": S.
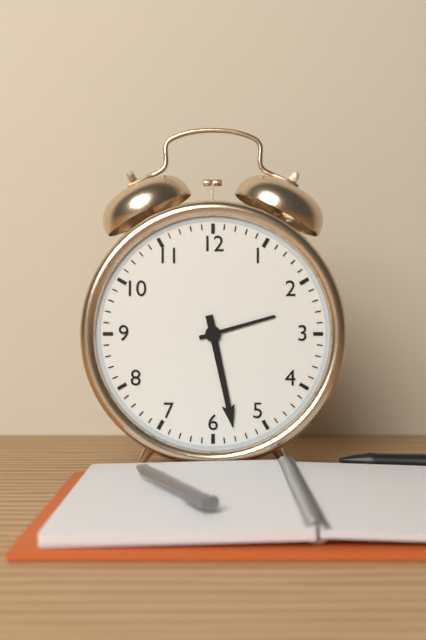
{"hour": 2, "minute": 28}
